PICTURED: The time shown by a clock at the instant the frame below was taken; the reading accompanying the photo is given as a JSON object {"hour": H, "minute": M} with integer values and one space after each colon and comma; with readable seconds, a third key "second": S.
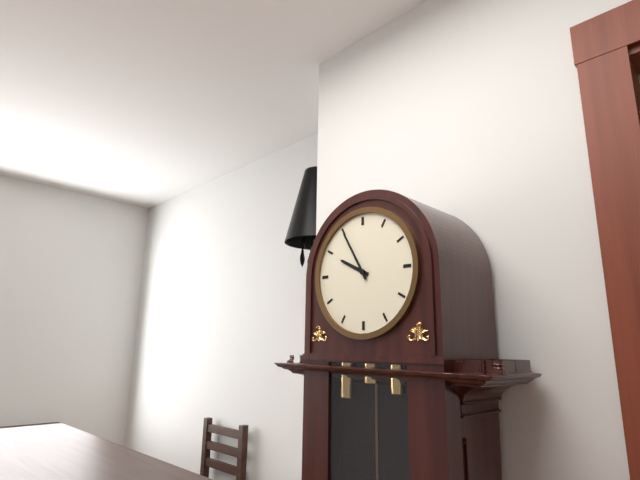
{"hour": 9, "minute": 55}
